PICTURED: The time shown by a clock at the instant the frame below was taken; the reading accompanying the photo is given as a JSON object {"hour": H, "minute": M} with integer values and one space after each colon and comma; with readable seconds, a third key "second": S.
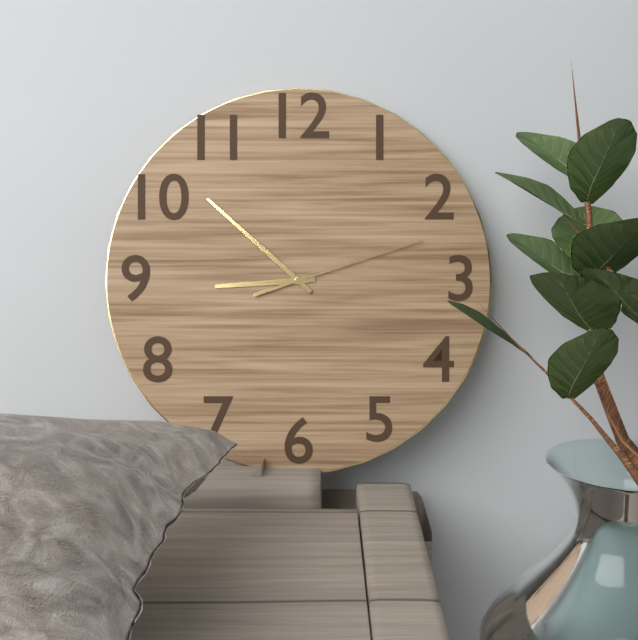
{"hour": 8, "minute": 52, "second": 12}
